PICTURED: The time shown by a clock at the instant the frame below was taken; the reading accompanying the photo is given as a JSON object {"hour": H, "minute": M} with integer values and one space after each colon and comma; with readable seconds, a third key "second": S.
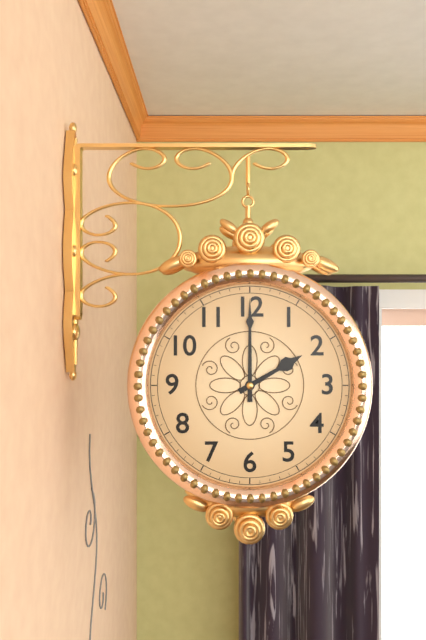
{"hour": 2, "minute": 0}
